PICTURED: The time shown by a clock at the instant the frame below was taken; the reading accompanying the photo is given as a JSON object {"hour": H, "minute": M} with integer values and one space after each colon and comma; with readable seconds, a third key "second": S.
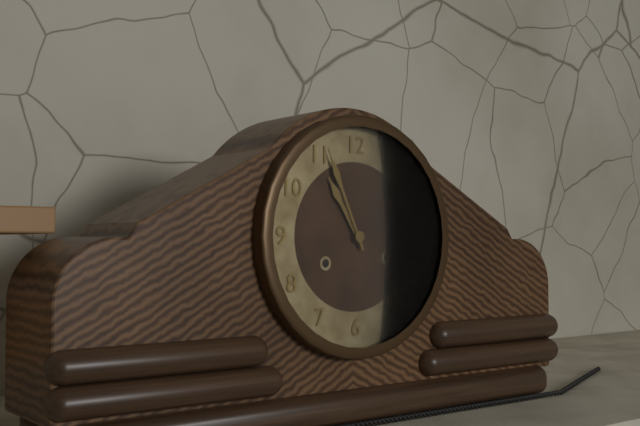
{"hour": 10, "minute": 56}
